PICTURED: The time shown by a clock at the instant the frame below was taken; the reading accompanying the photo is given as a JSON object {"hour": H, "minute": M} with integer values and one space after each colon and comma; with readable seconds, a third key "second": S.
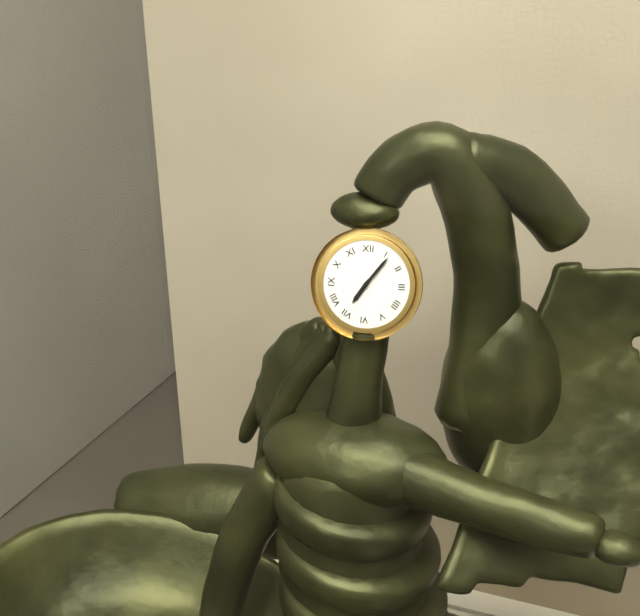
{"hour": 7, "minute": 6}
